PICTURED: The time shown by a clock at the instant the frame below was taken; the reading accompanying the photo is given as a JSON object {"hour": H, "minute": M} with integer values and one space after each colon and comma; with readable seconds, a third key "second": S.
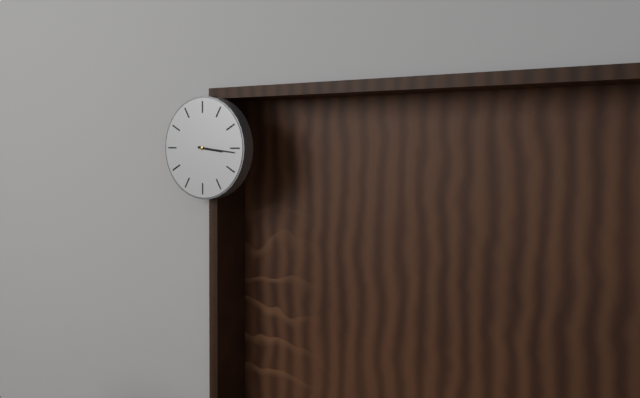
{"hour": 3, "minute": 16}
